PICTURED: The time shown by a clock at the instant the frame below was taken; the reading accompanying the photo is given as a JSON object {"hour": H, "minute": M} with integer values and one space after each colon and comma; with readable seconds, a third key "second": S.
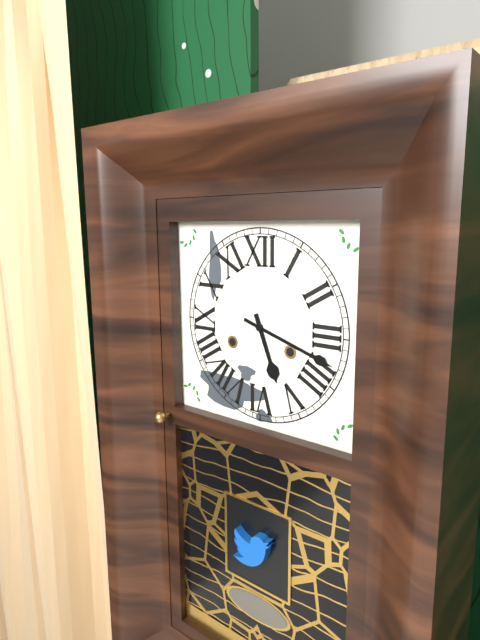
{"hour": 5, "minute": 18}
